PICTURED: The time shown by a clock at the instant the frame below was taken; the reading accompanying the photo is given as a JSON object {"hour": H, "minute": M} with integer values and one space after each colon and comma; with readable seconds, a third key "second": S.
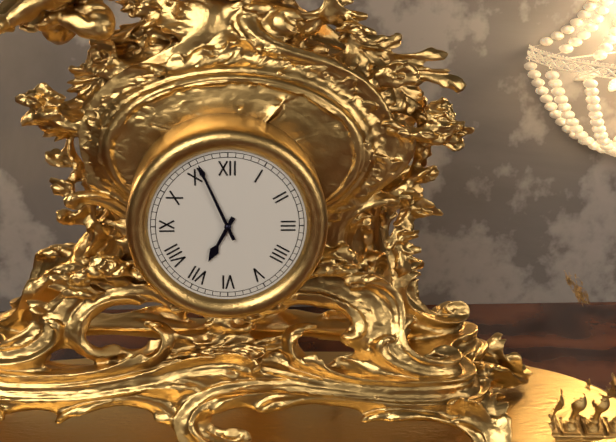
{"hour": 6, "minute": 56}
